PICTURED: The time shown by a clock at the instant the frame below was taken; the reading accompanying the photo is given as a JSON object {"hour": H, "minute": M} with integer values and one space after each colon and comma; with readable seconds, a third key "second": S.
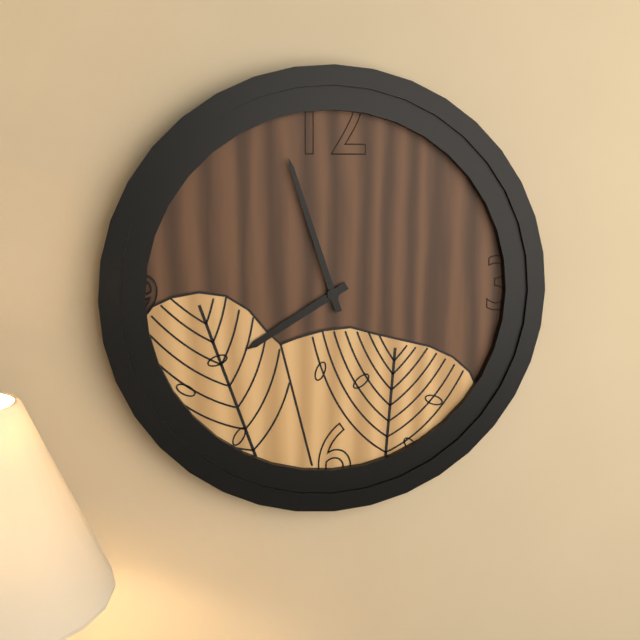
{"hour": 7, "minute": 57}
